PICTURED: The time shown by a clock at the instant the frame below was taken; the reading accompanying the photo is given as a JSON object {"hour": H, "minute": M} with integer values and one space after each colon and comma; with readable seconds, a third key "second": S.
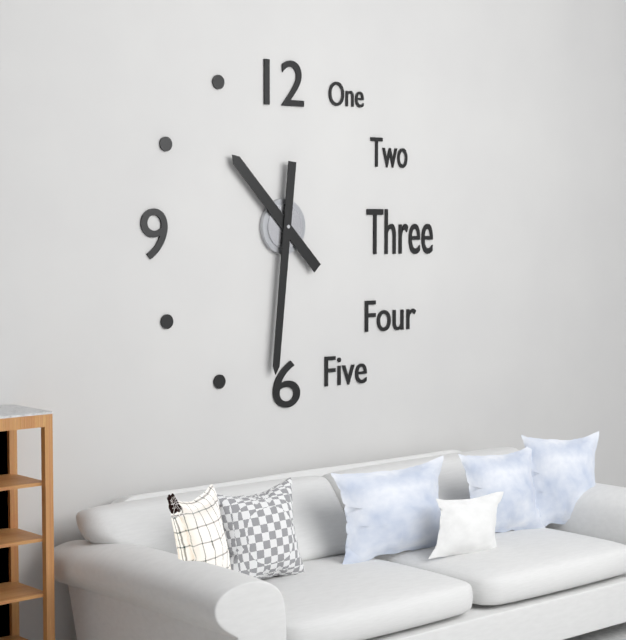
{"hour": 10, "minute": 31}
